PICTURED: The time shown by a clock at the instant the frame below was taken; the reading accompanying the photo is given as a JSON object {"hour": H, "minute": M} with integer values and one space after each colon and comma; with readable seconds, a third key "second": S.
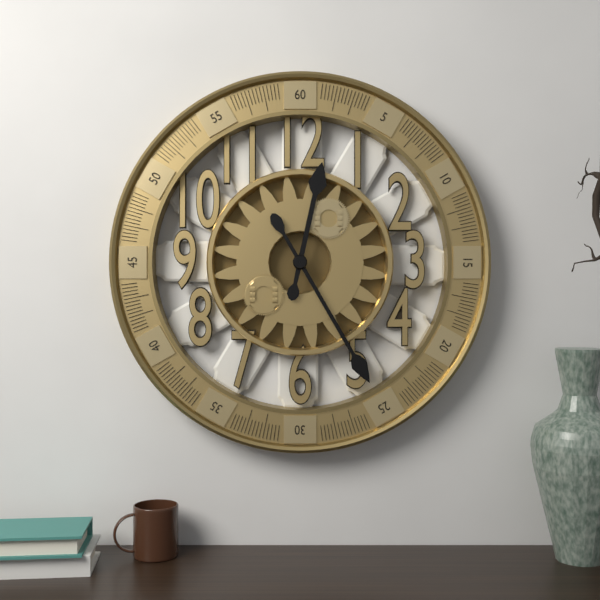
{"hour": 12, "minute": 25}
